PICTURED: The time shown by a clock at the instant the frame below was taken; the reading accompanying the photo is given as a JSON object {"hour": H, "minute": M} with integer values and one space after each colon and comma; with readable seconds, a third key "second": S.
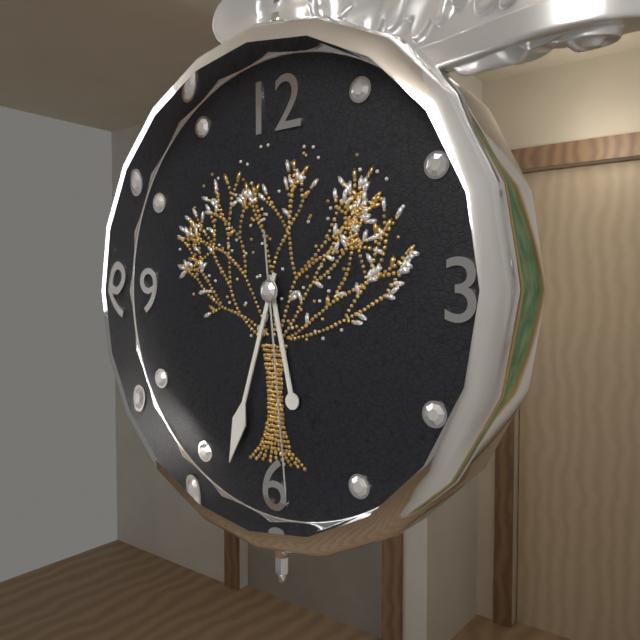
{"hour": 5, "minute": 33, "second": 29}
